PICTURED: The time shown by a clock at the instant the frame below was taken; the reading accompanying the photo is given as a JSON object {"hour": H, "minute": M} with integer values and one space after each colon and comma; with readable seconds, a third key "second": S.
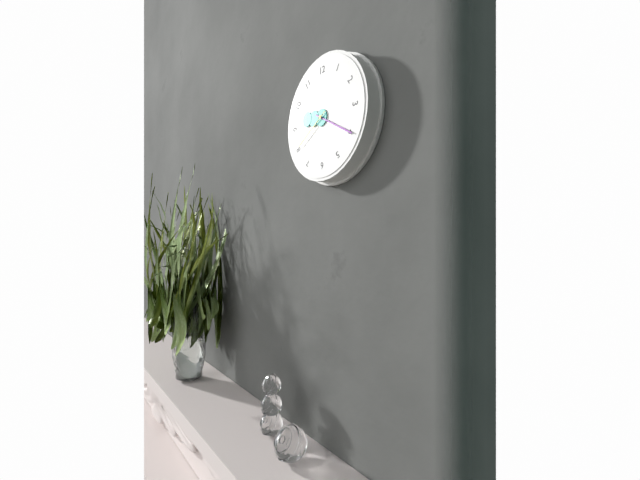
{"hour": 9, "minute": 20, "second": 40}
